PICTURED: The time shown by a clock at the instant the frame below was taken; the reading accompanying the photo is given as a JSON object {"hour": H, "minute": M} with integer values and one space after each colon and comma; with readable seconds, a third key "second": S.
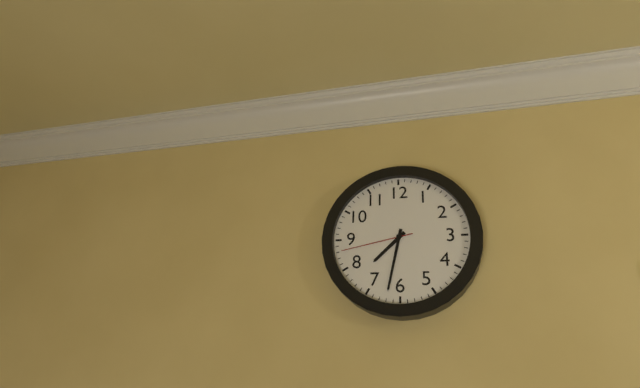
{"hour": 7, "minute": 32, "second": 43}
